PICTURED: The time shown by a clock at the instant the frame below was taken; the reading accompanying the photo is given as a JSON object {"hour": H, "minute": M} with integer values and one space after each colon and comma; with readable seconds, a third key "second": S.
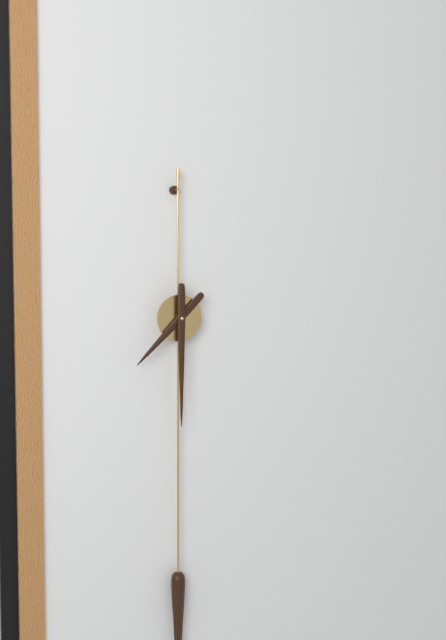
{"hour": 7, "minute": 30}
